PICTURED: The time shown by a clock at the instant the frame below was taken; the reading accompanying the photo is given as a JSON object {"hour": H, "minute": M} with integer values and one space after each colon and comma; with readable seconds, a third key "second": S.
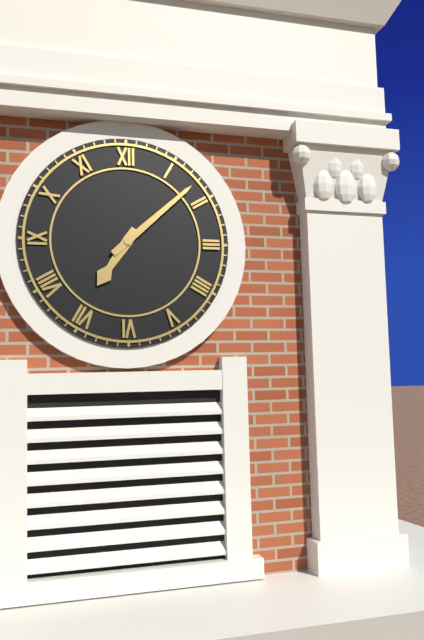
{"hour": 7, "minute": 8}
